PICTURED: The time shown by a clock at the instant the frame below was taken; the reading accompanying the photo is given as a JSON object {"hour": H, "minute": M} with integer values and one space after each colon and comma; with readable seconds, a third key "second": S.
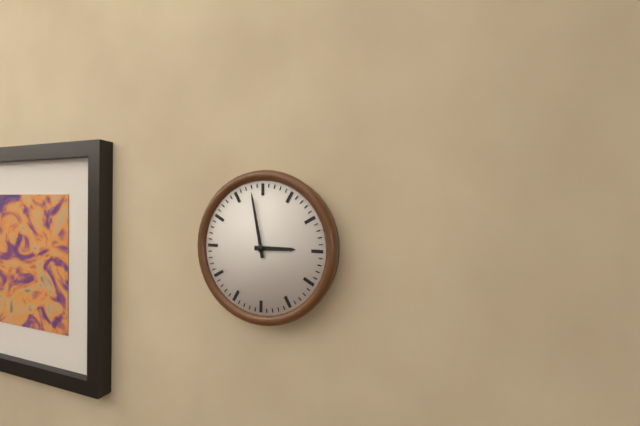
{"hour": 2, "minute": 58}
